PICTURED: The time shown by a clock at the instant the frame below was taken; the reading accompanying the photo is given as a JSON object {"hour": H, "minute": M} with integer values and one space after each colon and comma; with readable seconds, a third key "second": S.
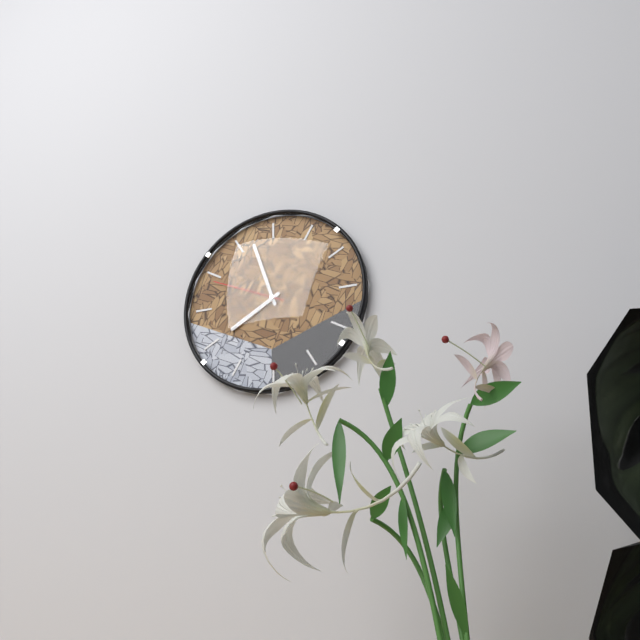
{"hour": 7, "minute": 57, "second": 49}
